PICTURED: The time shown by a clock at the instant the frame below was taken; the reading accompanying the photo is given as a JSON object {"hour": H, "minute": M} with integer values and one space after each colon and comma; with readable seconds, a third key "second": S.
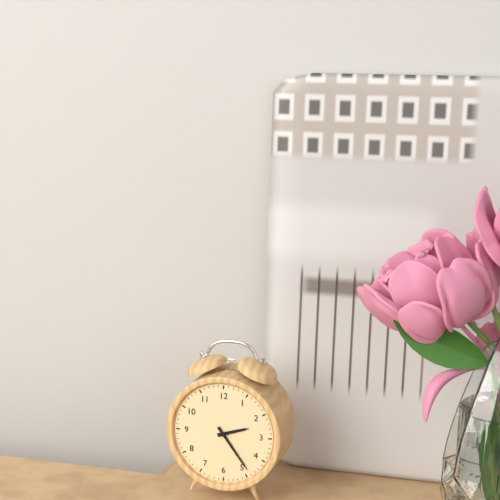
{"hour": 2, "minute": 24}
